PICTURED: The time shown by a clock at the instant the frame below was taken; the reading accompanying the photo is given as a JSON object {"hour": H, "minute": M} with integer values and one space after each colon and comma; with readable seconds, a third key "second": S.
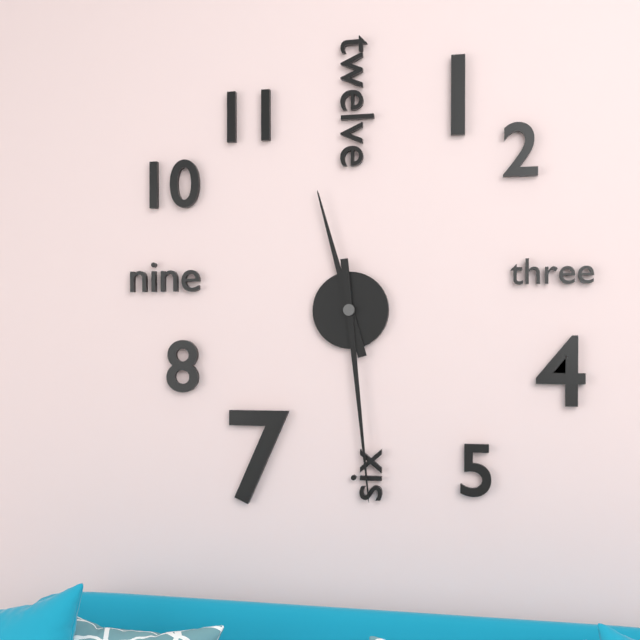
{"hour": 11, "minute": 29}
